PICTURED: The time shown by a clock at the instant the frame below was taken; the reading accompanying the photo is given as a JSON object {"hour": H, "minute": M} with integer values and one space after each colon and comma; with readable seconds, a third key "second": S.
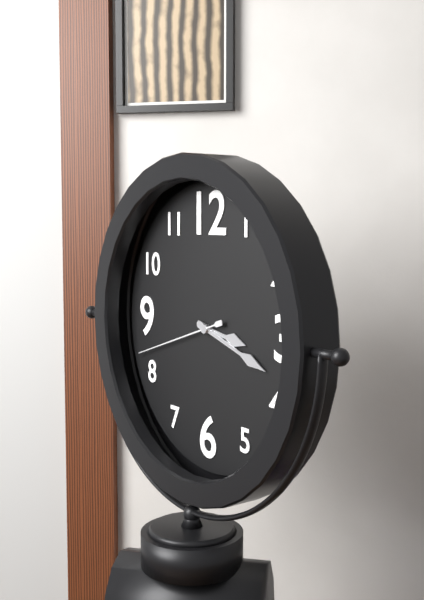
{"hour": 3, "minute": 18, "second": 42}
